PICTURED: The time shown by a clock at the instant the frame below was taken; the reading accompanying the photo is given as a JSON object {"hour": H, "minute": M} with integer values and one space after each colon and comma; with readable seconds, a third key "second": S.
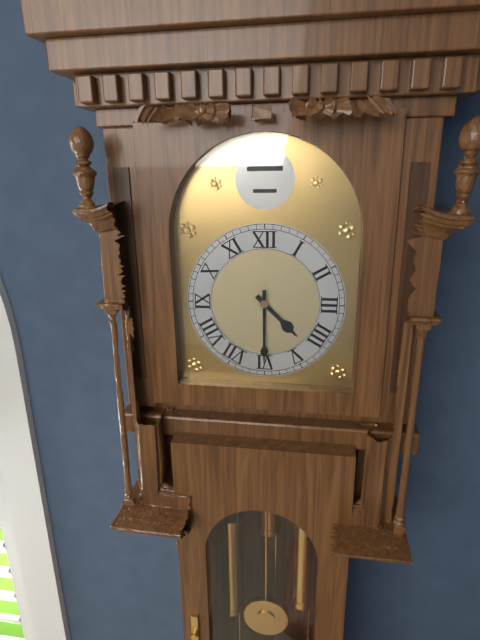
{"hour": 4, "minute": 30}
